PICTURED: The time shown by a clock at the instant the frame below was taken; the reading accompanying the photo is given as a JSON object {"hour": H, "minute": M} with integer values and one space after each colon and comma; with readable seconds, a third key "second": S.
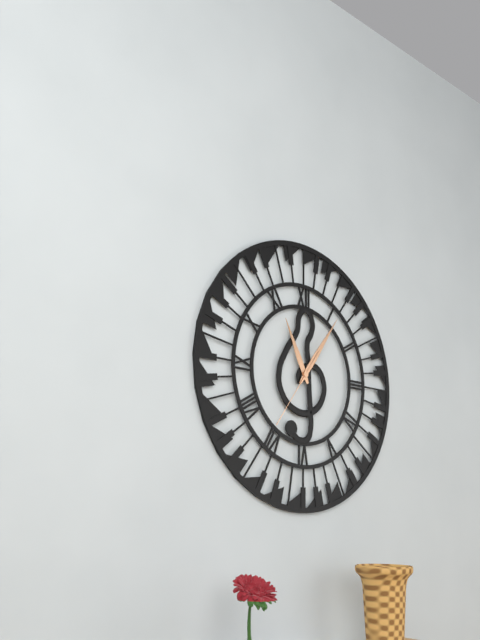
{"hour": 11, "minute": 6, "second": 36}
